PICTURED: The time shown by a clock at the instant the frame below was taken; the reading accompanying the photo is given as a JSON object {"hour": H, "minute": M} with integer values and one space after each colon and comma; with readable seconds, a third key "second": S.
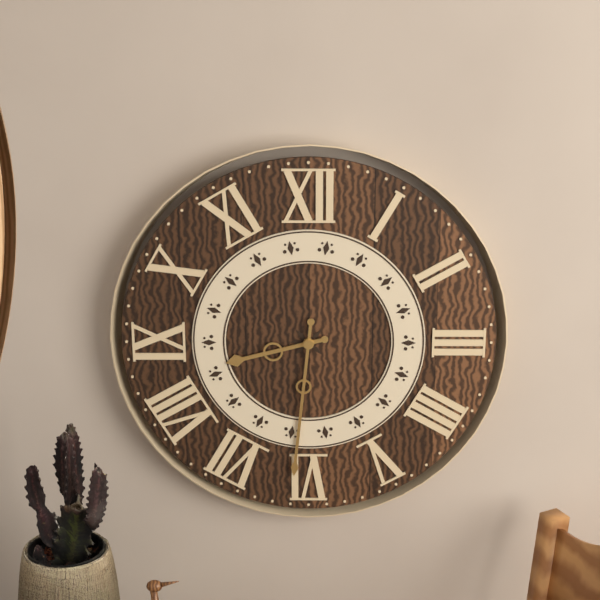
{"hour": 8, "minute": 31}
